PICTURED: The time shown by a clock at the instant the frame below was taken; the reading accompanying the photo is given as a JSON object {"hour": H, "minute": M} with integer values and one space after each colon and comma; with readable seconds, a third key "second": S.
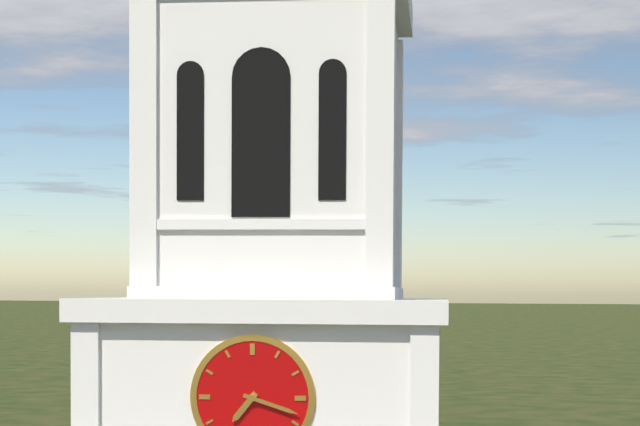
{"hour": 7, "minute": 18}
